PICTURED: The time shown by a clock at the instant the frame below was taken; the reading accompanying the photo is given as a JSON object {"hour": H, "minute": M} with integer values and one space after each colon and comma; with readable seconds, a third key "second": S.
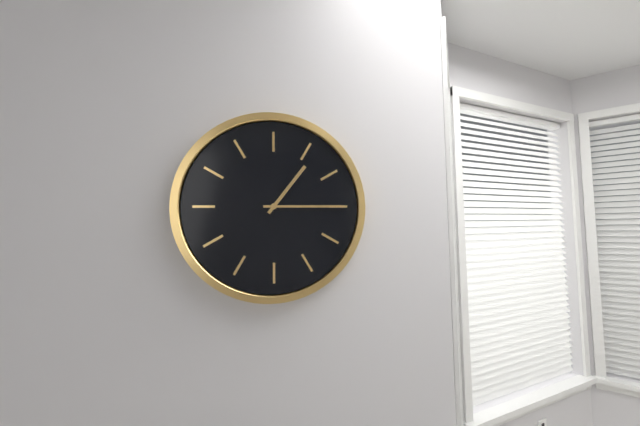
{"hour": 1, "minute": 15}
